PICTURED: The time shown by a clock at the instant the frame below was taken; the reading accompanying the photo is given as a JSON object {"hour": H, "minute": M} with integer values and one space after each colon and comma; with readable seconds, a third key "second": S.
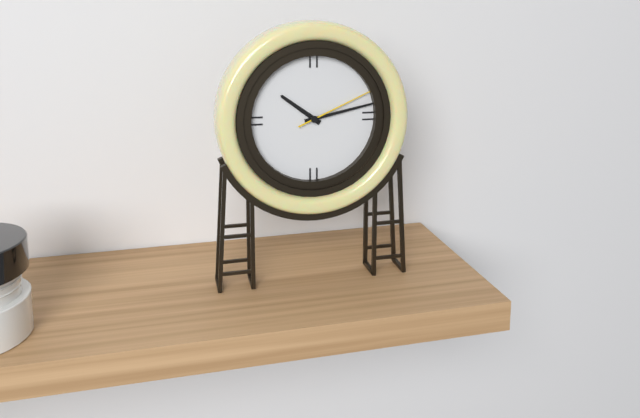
{"hour": 10, "minute": 13, "second": 11}
